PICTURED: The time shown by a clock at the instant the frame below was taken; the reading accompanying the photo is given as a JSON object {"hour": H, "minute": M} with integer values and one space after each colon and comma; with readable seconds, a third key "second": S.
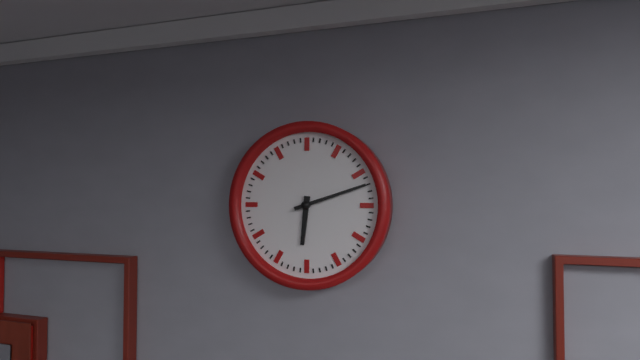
{"hour": 6, "minute": 12}
